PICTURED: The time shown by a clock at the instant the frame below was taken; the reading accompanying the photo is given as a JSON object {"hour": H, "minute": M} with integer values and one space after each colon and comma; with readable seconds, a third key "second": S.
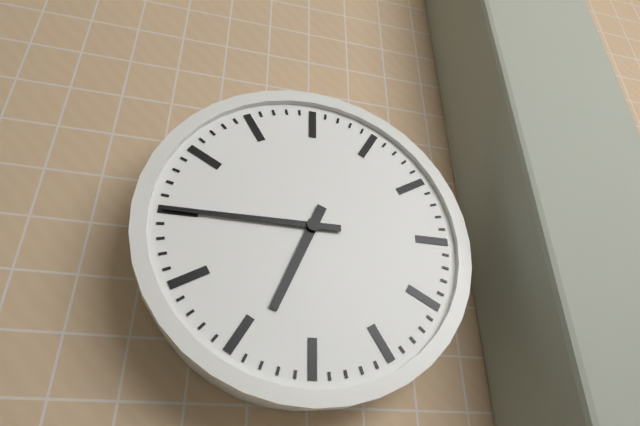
{"hour": 6, "minute": 45}
